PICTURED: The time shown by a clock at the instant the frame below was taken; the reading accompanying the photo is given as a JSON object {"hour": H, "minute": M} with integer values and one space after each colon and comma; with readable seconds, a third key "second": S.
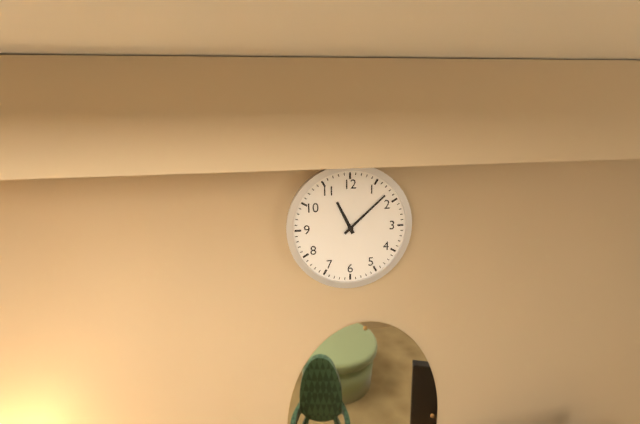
{"hour": 11, "minute": 8}
